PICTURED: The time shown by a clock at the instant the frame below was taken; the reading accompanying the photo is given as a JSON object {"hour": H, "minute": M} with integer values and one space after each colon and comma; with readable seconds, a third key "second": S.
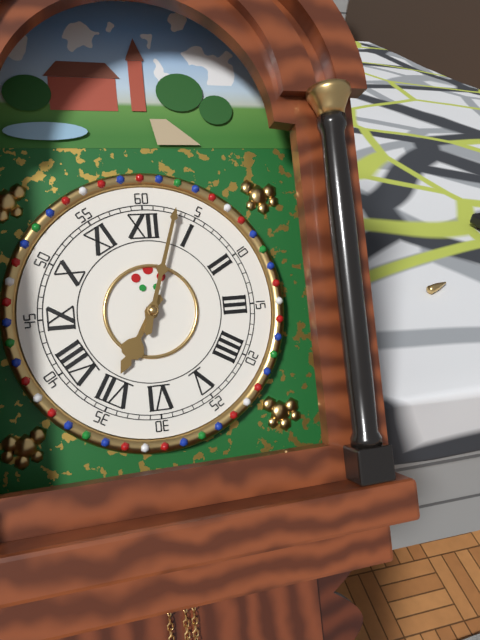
{"hour": 7, "minute": 3}
